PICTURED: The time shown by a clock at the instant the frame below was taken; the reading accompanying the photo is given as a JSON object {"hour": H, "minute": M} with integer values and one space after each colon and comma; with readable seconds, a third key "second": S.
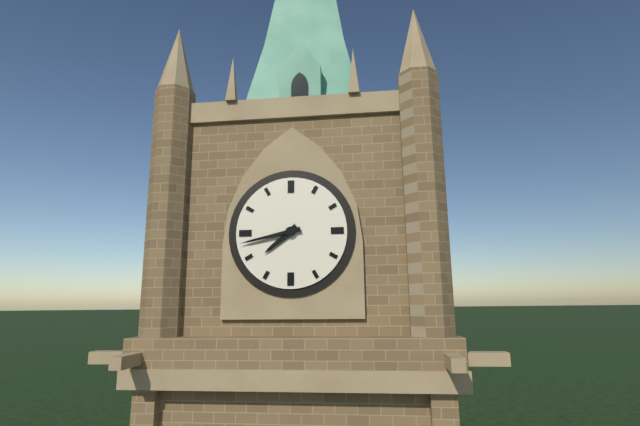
{"hour": 7, "minute": 43}
